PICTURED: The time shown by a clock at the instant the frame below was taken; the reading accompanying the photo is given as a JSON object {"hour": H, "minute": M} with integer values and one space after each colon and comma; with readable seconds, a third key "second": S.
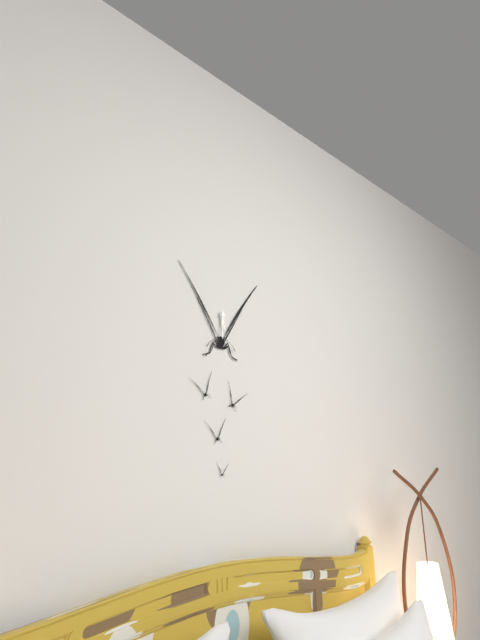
{"hour": 5, "minute": 30}
